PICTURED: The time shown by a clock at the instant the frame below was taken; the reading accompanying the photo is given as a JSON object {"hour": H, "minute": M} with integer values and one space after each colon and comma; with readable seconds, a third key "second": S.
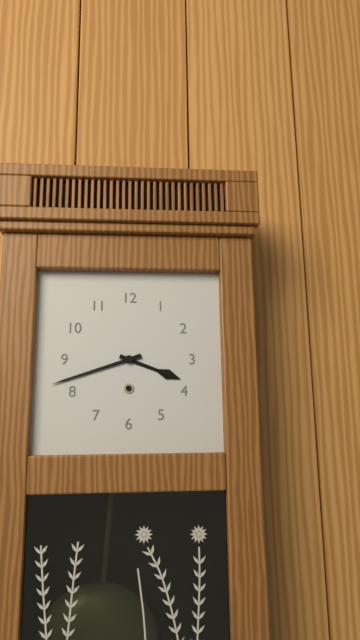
{"hour": 3, "minute": 42}
